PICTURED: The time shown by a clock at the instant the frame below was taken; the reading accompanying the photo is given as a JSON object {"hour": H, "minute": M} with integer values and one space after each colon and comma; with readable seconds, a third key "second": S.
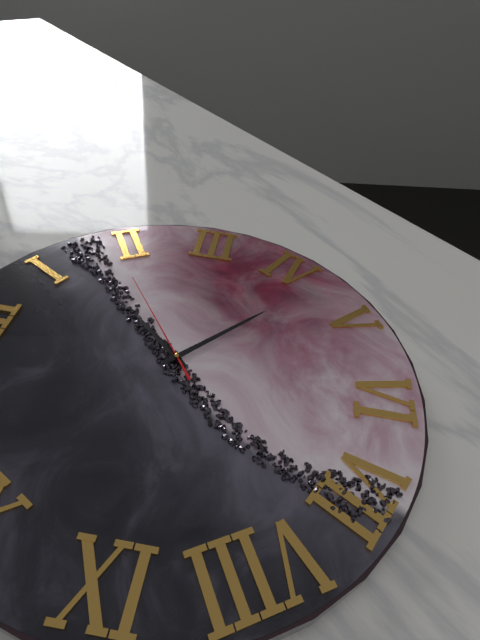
{"hour": 1, "minute": 22, "second": 9}
